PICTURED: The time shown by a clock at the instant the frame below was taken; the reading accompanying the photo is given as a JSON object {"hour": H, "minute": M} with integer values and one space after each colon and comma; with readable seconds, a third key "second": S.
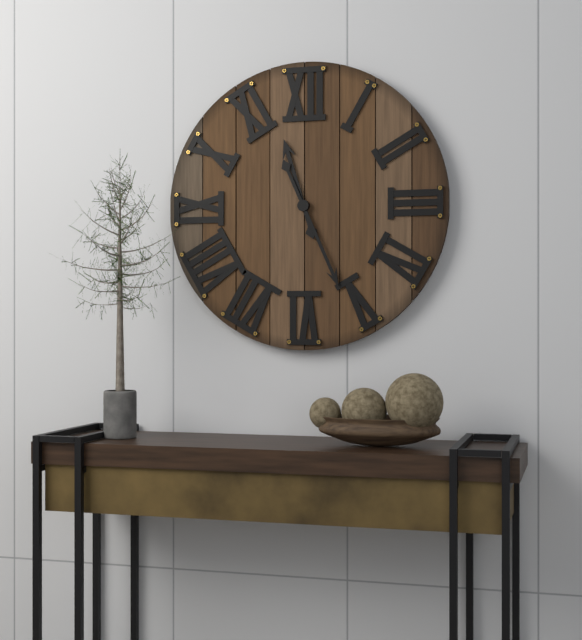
{"hour": 11, "minute": 26}
